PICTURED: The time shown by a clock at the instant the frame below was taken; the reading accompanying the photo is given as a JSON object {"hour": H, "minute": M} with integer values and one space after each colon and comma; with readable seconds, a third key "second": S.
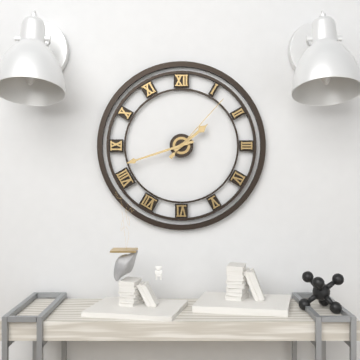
{"hour": 1, "minute": 42, "second": 7}
